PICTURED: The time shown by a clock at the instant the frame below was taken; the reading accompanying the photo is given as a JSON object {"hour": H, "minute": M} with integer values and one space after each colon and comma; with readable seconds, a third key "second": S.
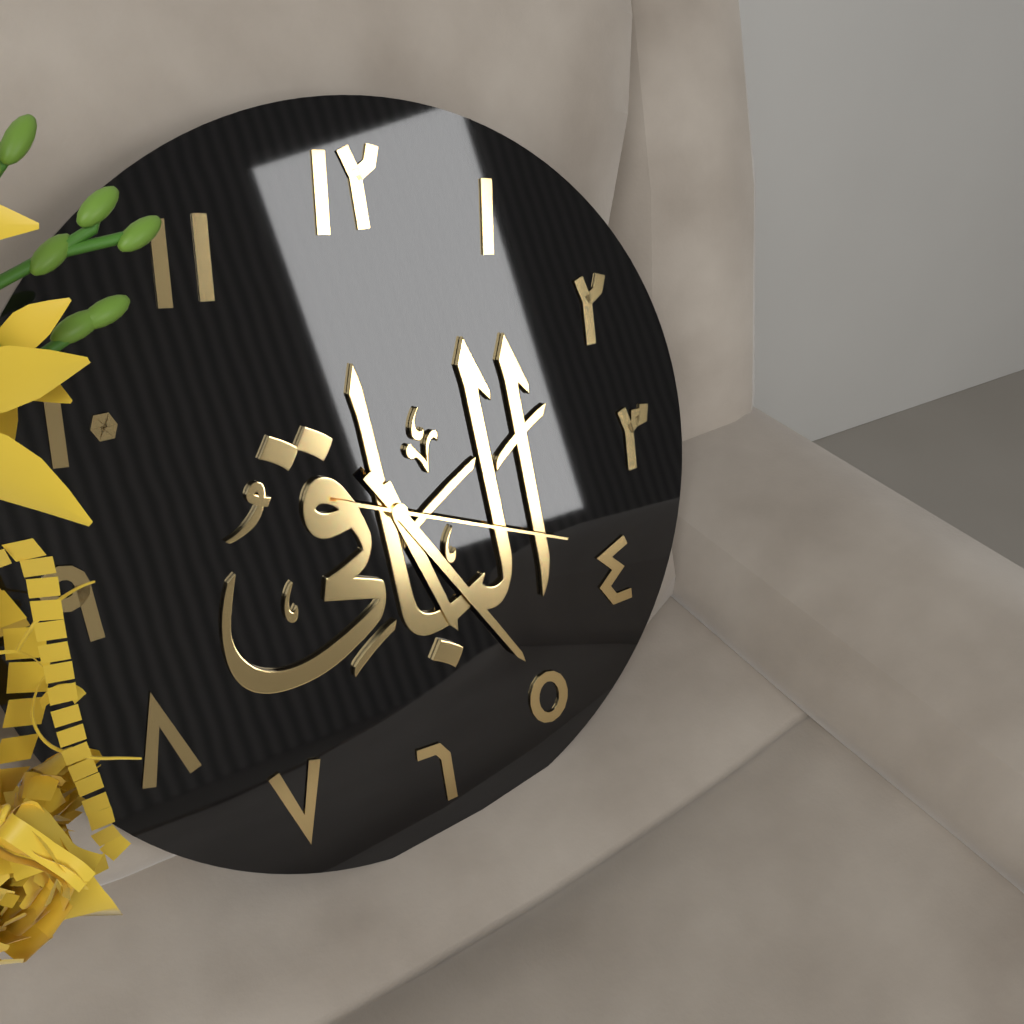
{"hour": 5, "minute": 25, "second": 19}
